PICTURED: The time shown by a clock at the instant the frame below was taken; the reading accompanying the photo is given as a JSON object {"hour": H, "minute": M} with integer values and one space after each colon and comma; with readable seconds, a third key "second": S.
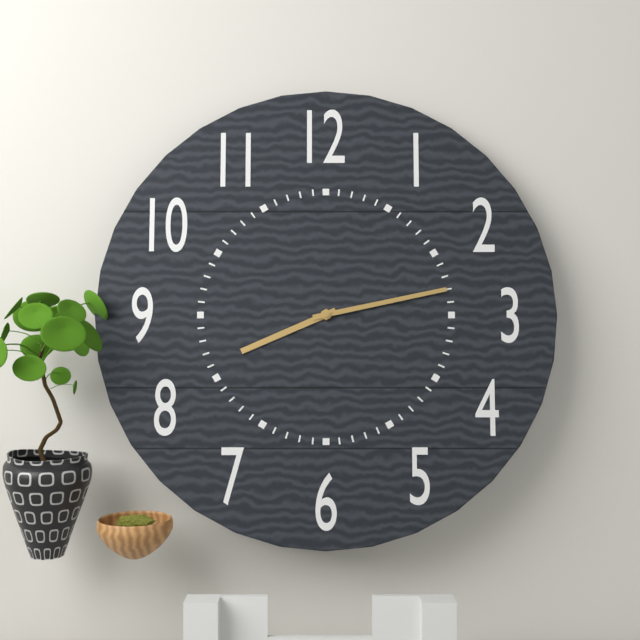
{"hour": 8, "minute": 13}
